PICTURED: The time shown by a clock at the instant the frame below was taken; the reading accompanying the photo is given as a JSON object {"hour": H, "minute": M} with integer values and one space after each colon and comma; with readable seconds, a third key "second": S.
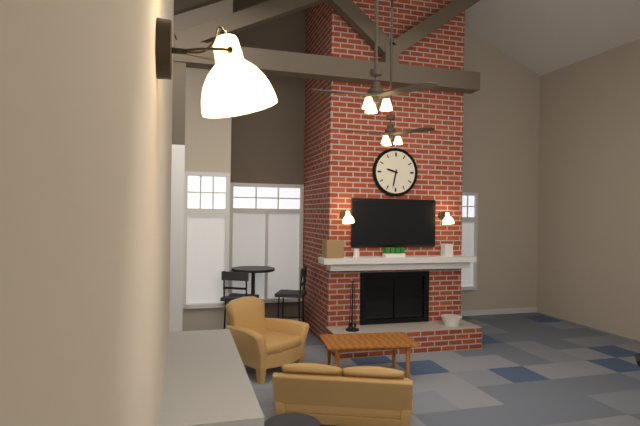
{"hour": 9, "minute": 32}
